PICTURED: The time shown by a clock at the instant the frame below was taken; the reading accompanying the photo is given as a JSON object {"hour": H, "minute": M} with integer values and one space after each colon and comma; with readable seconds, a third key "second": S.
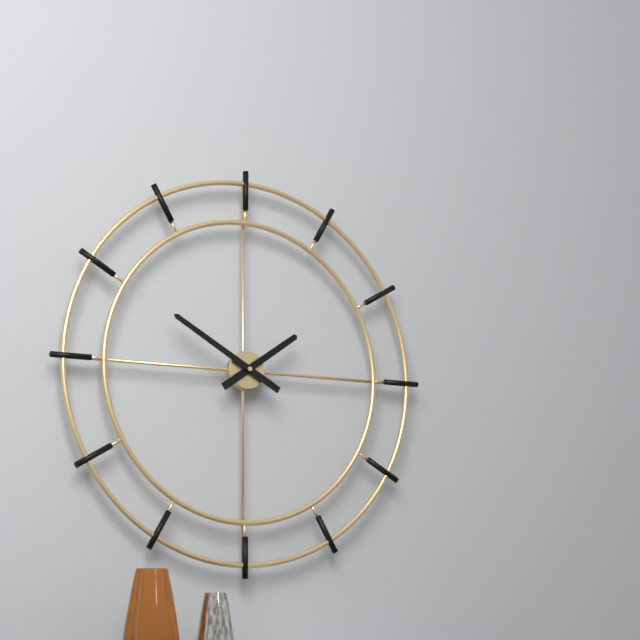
{"hour": 1, "minute": 50}
